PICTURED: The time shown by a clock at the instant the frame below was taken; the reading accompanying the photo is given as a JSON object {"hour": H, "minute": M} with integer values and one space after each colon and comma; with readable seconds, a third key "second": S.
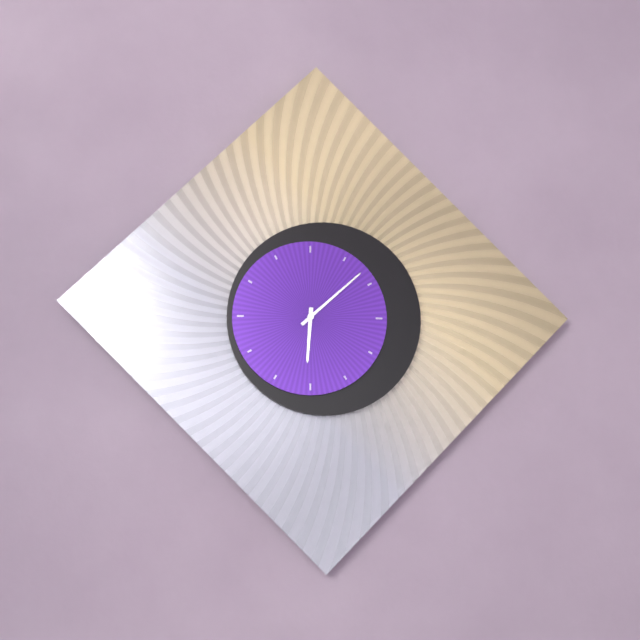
{"hour": 6, "minute": 8}
